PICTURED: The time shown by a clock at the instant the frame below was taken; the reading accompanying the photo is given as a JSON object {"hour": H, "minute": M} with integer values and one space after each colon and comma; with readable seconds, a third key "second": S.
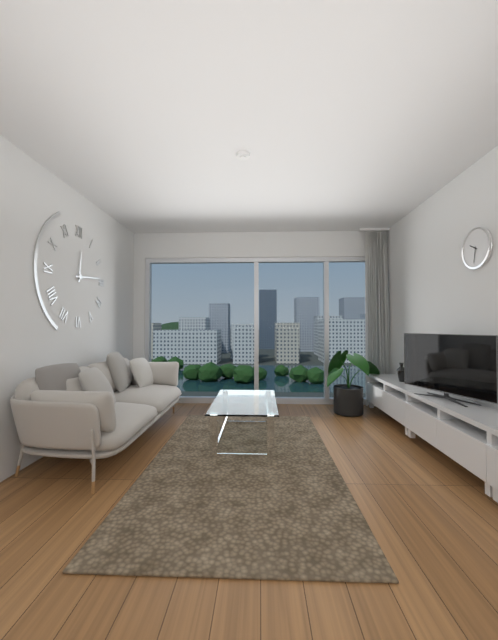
{"hour": 12, "minute": 14}
